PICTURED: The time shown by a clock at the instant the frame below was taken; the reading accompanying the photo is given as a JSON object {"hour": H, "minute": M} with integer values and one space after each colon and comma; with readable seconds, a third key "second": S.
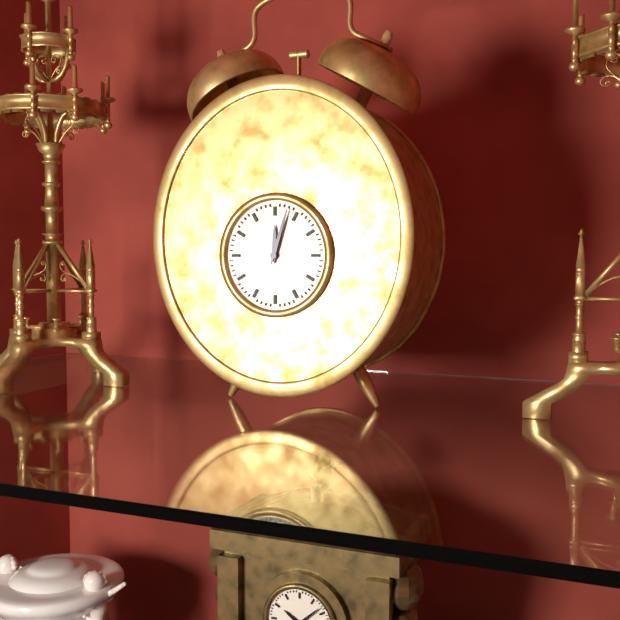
{"hour": 12, "minute": 3}
